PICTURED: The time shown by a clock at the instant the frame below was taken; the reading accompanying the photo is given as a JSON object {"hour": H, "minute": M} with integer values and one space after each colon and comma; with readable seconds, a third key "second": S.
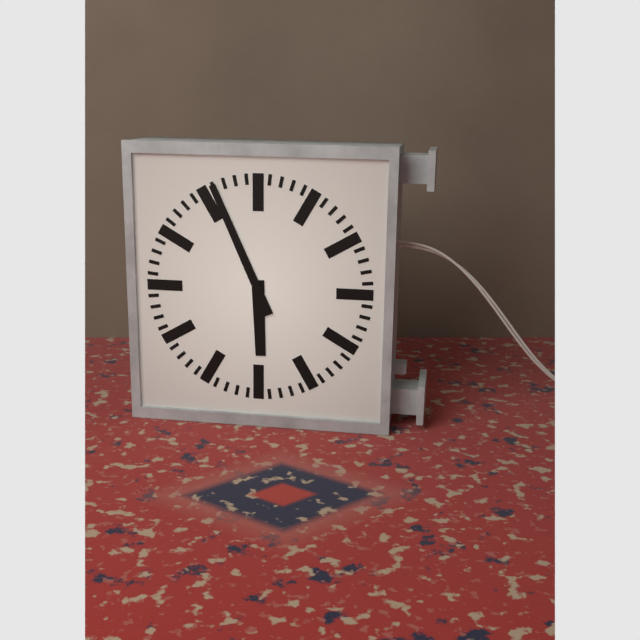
{"hour": 5, "minute": 56}
